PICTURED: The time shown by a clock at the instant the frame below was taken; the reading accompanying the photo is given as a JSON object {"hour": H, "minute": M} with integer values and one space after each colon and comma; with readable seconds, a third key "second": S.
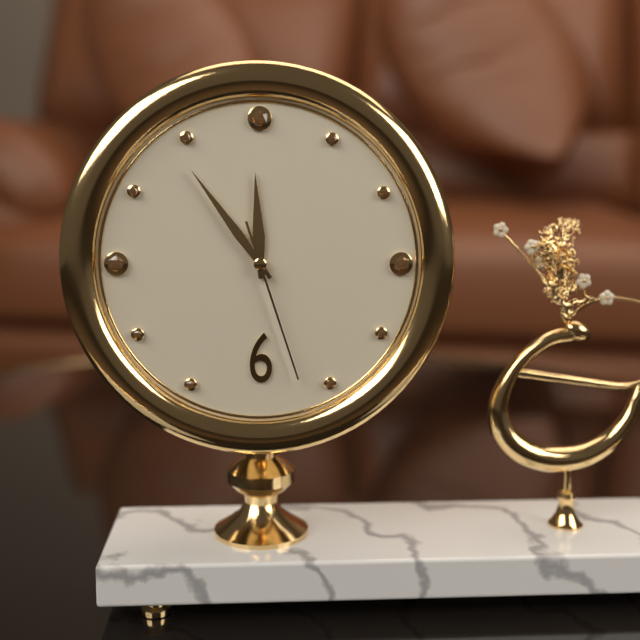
{"hour": 11, "minute": 54, "second": 27}
